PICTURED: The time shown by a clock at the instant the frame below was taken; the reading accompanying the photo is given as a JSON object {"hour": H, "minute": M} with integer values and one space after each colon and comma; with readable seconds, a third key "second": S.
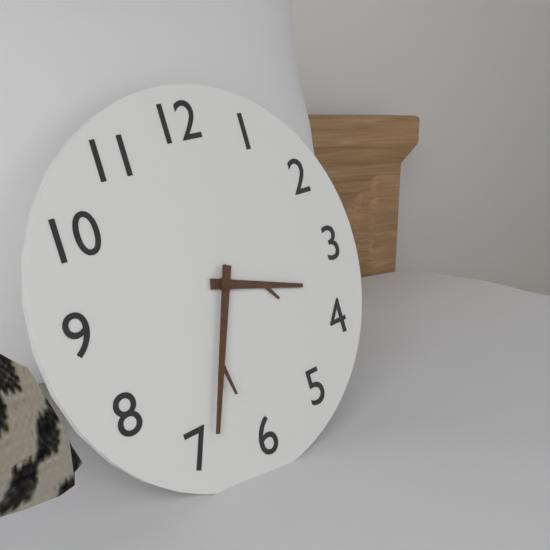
{"hour": 3, "minute": 34}
